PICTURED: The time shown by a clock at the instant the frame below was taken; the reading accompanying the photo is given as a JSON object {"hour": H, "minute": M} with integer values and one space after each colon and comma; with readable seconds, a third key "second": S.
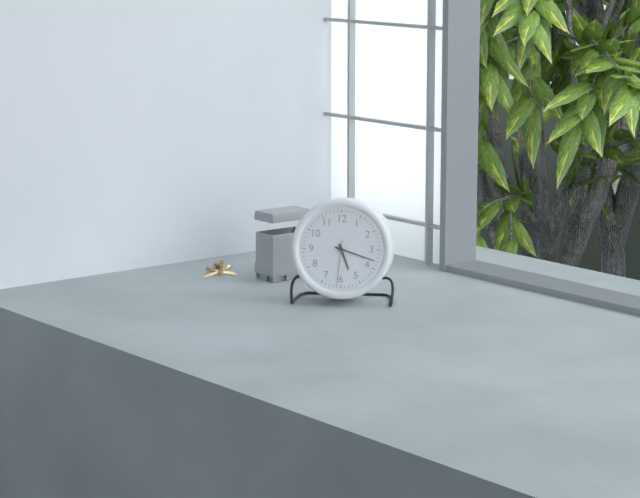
{"hour": 5, "minute": 18}
